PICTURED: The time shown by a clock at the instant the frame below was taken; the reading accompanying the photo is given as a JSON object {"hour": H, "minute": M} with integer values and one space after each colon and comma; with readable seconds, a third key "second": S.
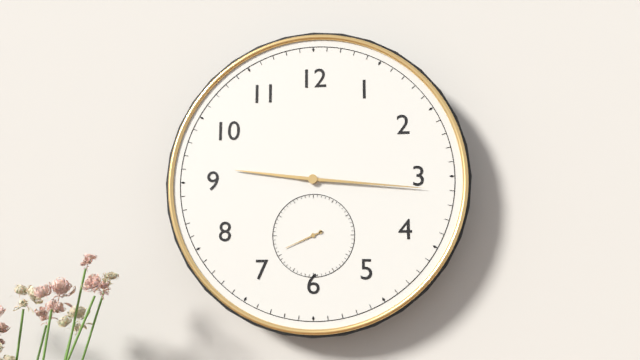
{"hour": 9, "minute": 16}
